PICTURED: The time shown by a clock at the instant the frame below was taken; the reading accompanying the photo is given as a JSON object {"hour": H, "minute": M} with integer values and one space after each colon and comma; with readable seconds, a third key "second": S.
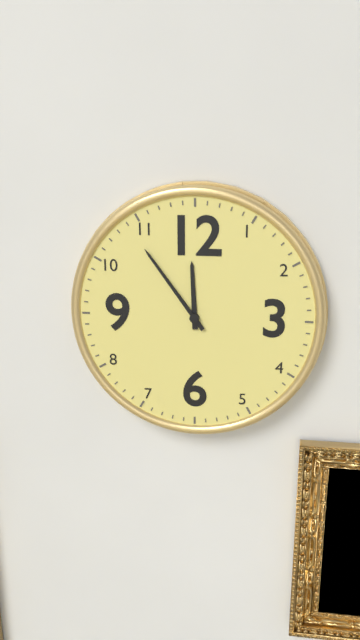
{"hour": 11, "minute": 54}
